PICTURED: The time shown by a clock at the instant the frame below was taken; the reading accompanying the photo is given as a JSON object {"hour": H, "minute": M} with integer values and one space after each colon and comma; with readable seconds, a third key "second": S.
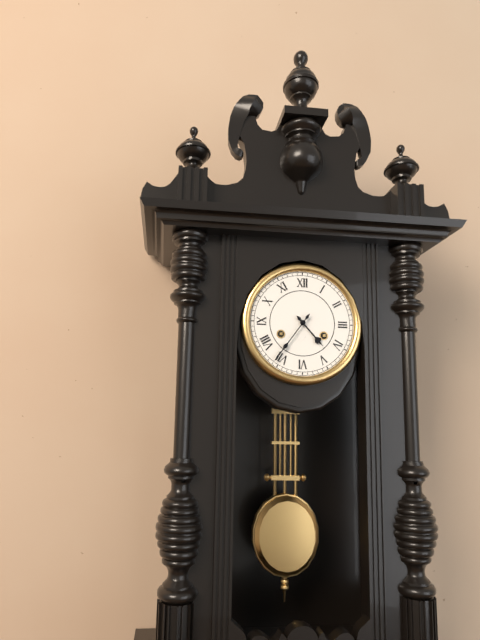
{"hour": 4, "minute": 36}
